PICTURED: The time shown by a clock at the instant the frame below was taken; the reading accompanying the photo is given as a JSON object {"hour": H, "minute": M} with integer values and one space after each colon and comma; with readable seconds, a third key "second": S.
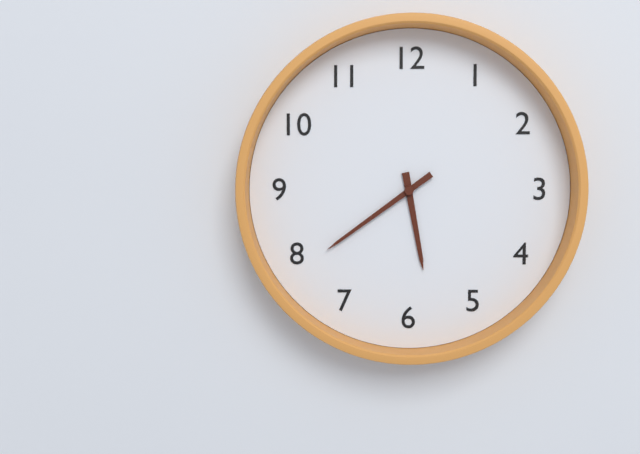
{"hour": 5, "minute": 39}
